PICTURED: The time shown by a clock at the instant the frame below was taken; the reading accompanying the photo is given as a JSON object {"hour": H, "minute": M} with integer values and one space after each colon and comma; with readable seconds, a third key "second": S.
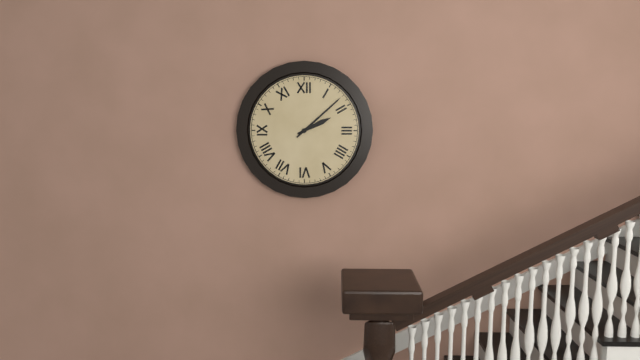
{"hour": 2, "minute": 8}
